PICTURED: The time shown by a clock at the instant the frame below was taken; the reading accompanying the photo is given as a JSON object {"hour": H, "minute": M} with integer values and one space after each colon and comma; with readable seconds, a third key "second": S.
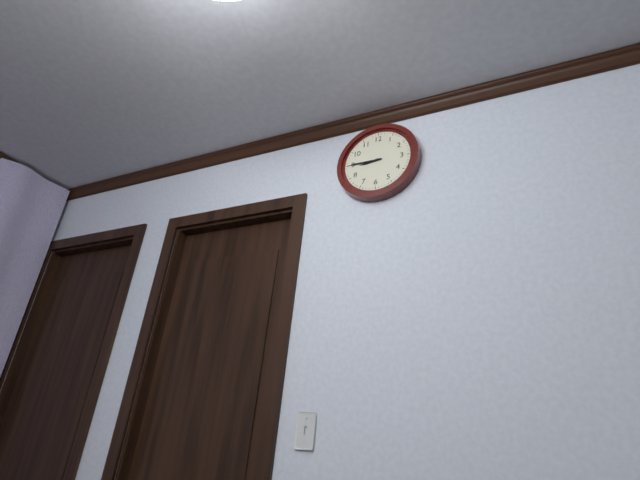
{"hour": 8, "minute": 45}
